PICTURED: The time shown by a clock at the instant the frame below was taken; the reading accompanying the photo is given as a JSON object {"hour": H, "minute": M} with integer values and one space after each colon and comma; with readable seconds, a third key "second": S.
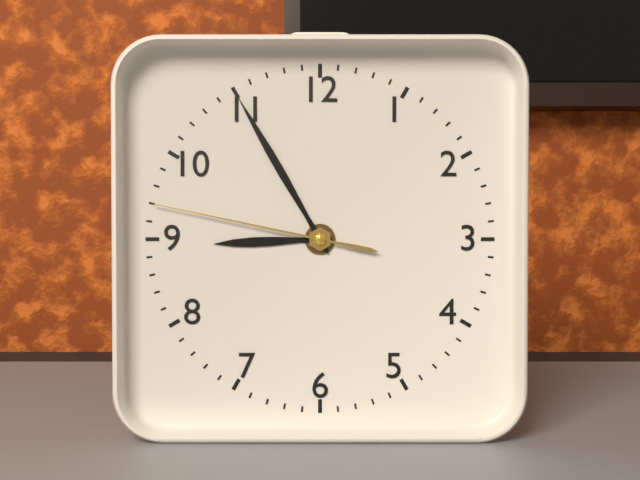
{"hour": 8, "minute": 55, "second": 47}
